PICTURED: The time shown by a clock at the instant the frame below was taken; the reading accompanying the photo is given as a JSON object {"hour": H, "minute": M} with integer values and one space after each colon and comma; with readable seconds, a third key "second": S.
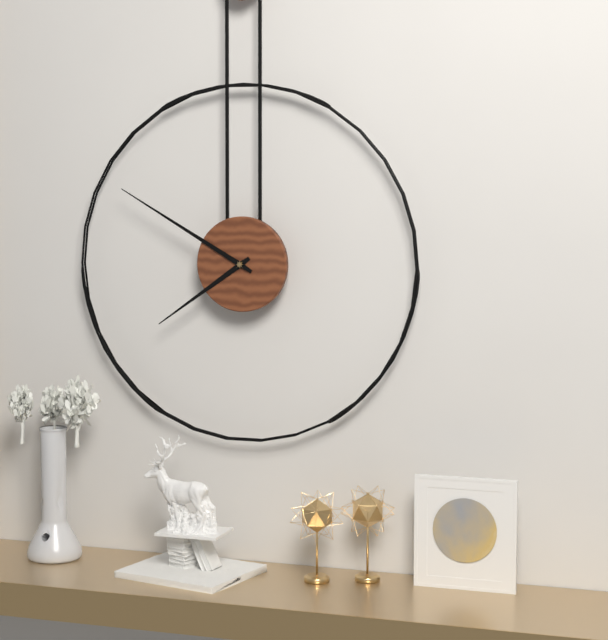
{"hour": 7, "minute": 50}
